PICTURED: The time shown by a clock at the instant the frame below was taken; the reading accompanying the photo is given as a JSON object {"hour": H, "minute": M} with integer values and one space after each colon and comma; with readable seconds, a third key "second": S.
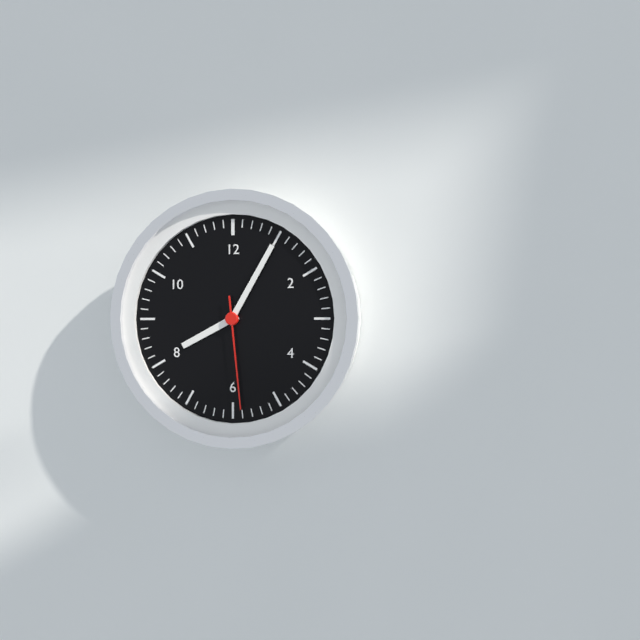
{"hour": 8, "minute": 5, "second": 29}
